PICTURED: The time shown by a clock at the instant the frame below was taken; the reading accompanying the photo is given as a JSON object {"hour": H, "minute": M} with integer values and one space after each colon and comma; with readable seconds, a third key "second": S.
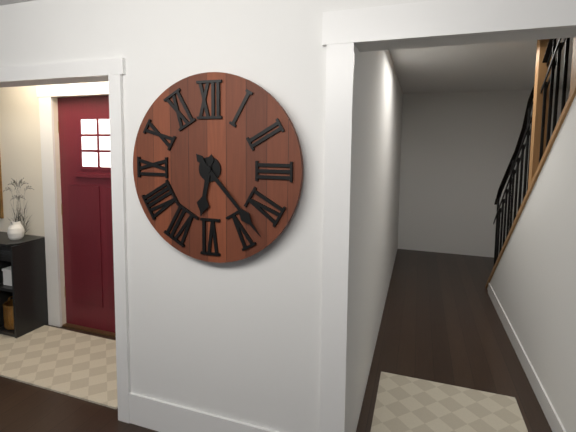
{"hour": 6, "minute": 23}
